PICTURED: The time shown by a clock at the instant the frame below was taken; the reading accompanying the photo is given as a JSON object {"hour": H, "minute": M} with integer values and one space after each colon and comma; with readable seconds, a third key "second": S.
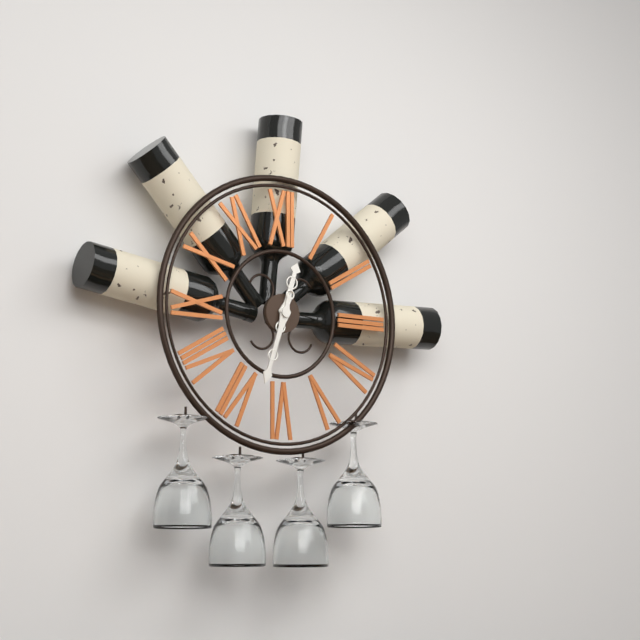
{"hour": 12, "minute": 33}
